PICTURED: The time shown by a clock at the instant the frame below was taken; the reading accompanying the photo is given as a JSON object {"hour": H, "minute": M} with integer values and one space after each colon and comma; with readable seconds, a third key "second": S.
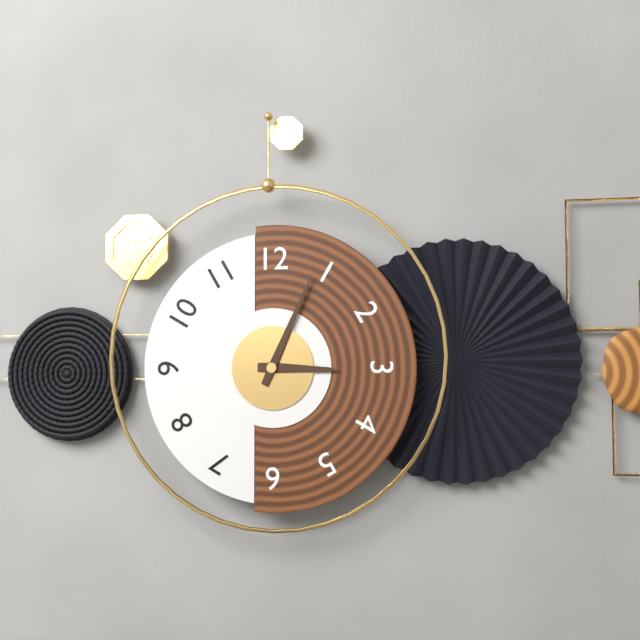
{"hour": 3, "minute": 4}
